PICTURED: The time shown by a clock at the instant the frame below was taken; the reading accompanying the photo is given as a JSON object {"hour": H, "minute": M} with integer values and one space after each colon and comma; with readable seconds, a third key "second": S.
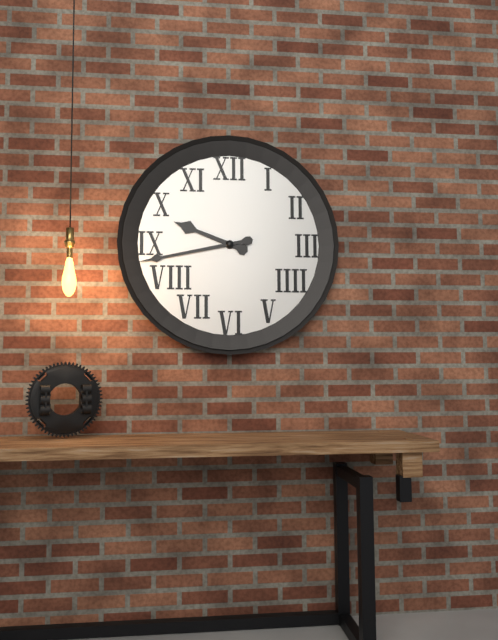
{"hour": 9, "minute": 43}
